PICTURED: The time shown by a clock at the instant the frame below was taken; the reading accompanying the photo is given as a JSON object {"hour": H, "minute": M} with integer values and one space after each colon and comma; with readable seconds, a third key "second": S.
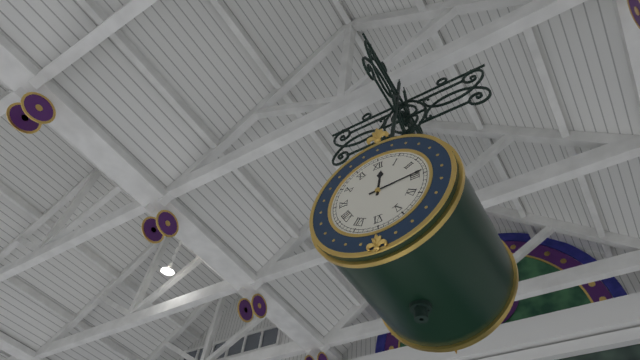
{"hour": 12, "minute": 14}
